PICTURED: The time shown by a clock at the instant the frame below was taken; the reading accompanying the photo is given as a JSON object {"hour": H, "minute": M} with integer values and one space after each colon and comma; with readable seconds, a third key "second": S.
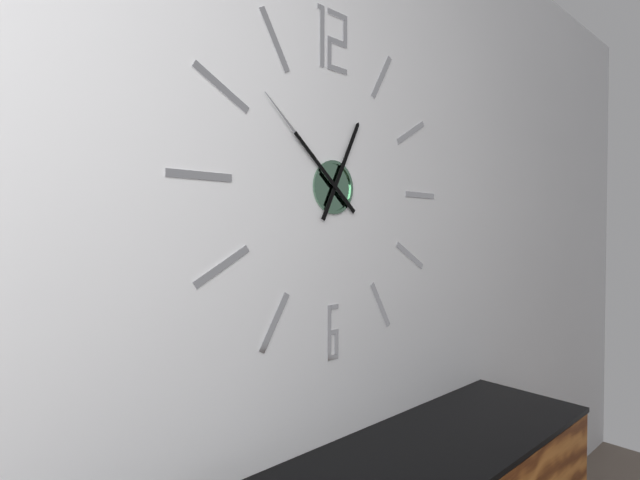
{"hour": 12, "minute": 52}
